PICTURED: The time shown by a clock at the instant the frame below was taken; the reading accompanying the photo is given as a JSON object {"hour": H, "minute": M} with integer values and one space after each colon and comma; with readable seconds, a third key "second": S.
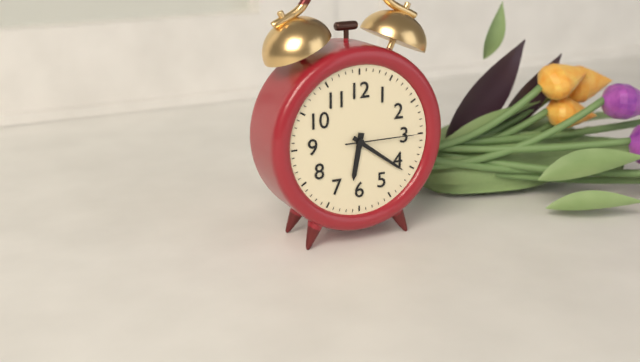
{"hour": 6, "minute": 21, "second": 15}
